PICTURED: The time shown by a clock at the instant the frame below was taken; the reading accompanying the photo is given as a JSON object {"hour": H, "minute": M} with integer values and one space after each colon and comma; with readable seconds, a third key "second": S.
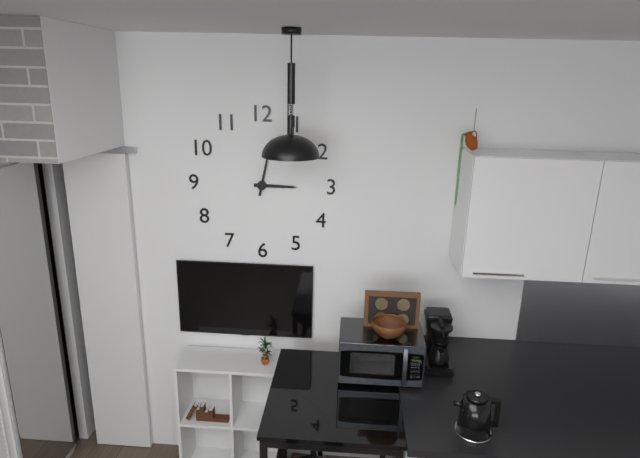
{"hour": 3, "minute": 2}
